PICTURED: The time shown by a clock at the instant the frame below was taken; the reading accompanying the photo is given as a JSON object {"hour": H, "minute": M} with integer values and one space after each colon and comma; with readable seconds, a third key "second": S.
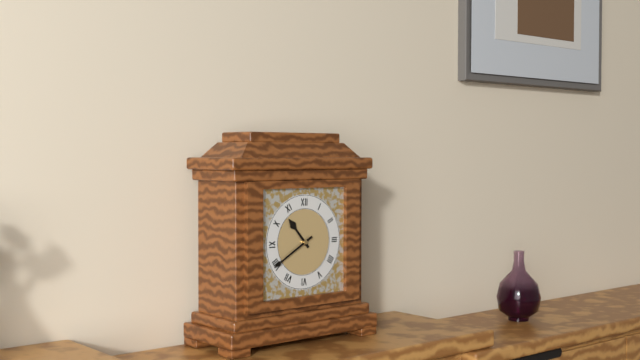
{"hour": 10, "minute": 40}
